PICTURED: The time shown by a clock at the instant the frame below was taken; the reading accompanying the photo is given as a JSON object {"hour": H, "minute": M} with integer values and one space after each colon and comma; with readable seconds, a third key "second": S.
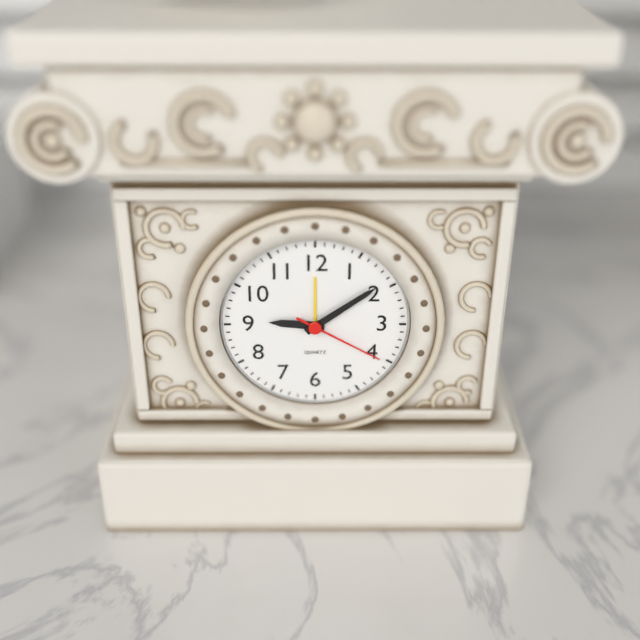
{"hour": 9, "minute": 9, "second": 20}
